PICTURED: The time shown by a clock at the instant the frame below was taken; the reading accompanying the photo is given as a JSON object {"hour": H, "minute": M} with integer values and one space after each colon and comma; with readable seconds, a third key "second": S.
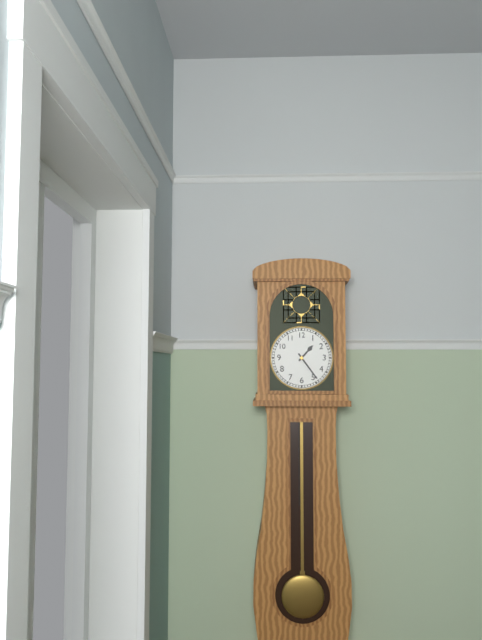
{"hour": 1, "minute": 24}
